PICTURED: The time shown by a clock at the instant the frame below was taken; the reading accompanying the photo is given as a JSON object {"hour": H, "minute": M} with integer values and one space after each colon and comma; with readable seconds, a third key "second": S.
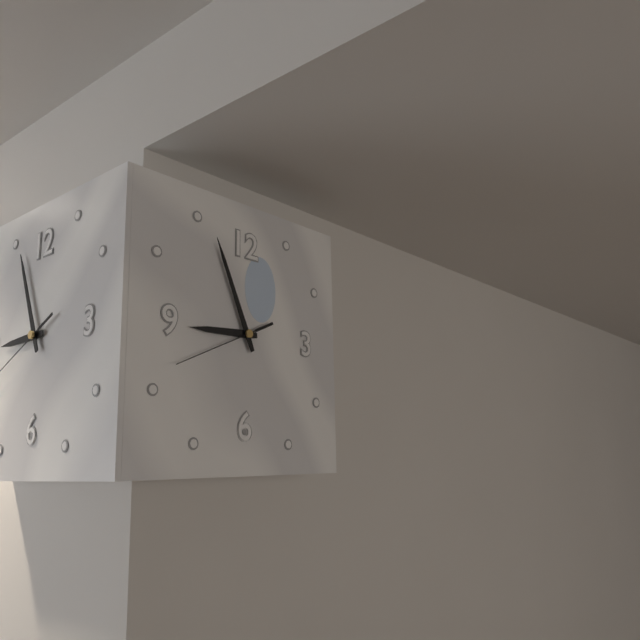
{"hour": 8, "minute": 56, "second": 41}
